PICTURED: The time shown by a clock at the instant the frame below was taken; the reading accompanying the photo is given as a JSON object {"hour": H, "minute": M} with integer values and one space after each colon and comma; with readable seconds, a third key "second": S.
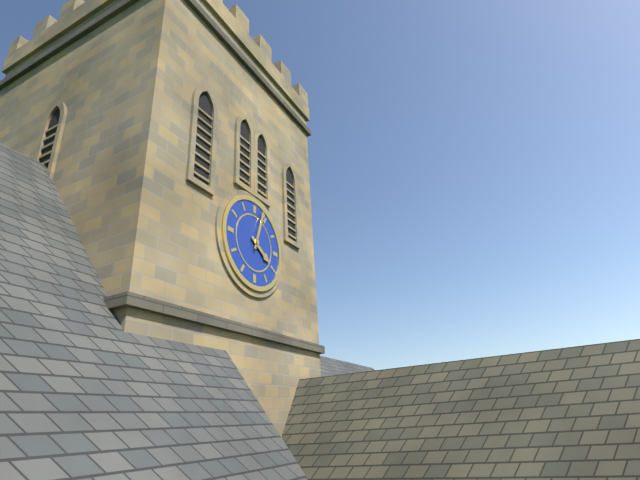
{"hour": 4, "minute": 3}
